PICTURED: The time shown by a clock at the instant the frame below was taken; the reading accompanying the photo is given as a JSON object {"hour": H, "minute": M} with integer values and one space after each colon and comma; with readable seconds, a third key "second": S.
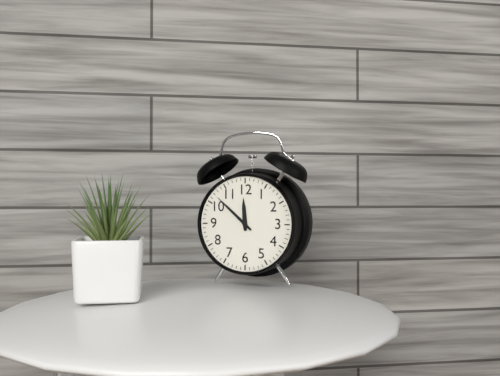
{"hour": 11, "minute": 52}
